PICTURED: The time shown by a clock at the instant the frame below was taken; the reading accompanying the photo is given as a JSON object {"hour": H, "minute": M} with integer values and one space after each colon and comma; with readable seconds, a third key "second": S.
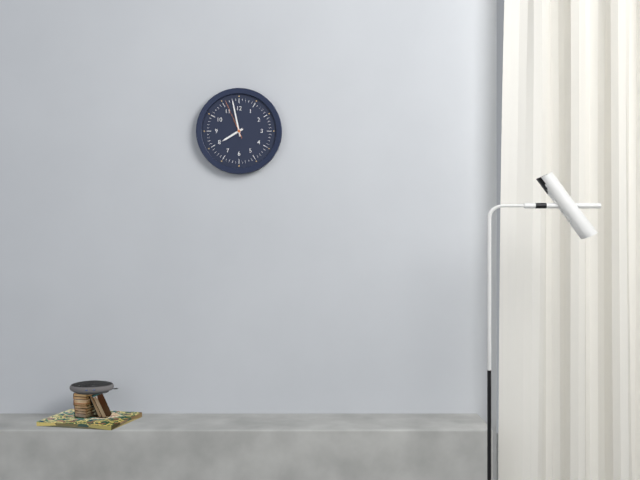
{"hour": 7, "minute": 58}
